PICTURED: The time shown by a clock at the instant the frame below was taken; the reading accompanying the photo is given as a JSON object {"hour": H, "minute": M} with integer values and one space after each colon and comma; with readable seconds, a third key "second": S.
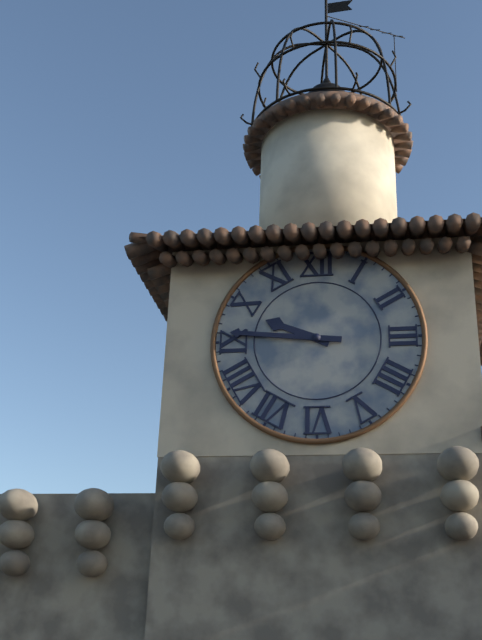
{"hour": 9, "minute": 46}
